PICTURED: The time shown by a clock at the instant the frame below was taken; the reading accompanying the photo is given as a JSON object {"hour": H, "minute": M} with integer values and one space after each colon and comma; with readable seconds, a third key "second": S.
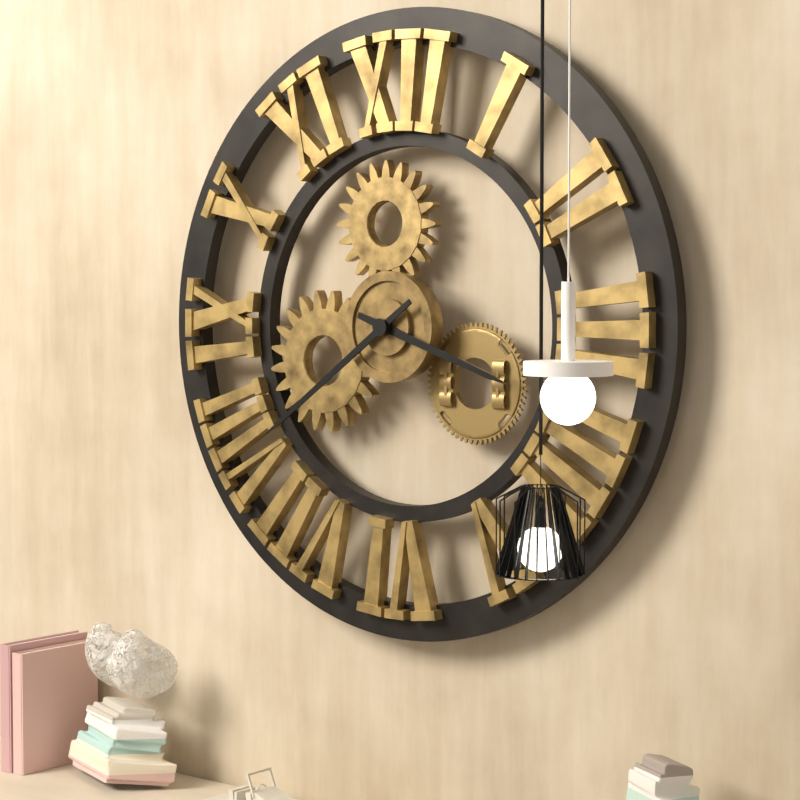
{"hour": 3, "minute": 39}
